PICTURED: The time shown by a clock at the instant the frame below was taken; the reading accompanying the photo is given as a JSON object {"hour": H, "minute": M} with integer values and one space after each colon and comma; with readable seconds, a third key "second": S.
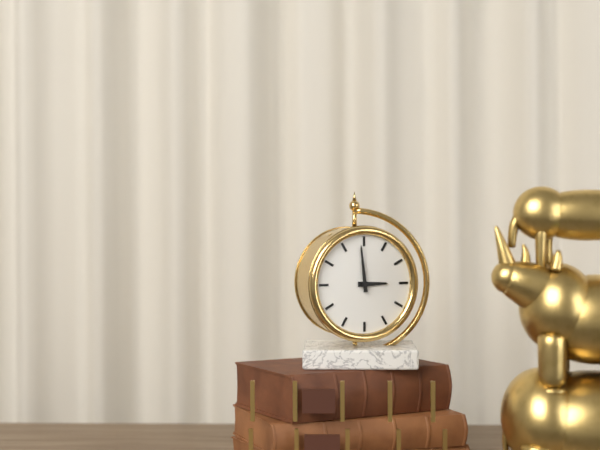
{"hour": 2, "minute": 59}
